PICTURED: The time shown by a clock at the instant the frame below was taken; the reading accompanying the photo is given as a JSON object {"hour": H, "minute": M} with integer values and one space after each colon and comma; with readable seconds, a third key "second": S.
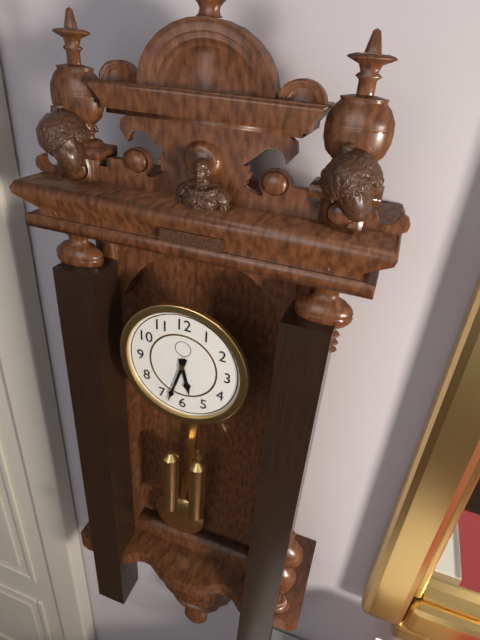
{"hour": 5, "minute": 33}
